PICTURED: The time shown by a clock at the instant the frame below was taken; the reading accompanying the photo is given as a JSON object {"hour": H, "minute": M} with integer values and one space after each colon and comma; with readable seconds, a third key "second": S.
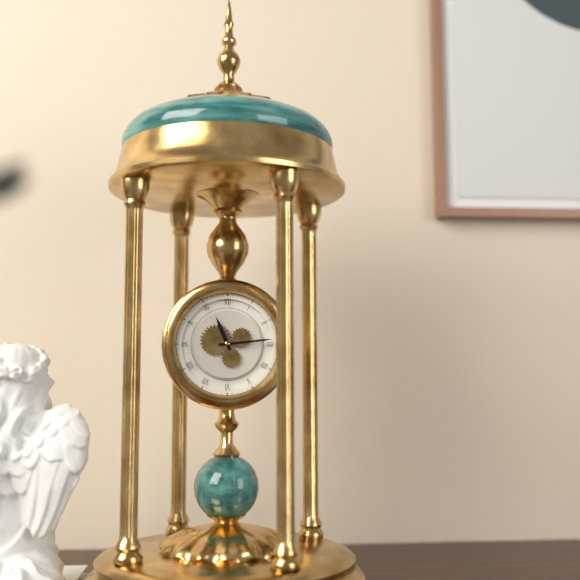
{"hour": 11, "minute": 14}
